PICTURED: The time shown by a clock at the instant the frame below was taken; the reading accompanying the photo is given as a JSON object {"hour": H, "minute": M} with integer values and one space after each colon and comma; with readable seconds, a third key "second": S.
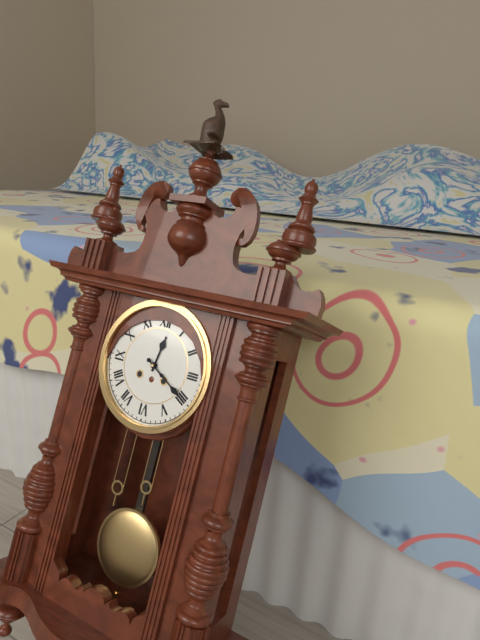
{"hour": 12, "minute": 20}
